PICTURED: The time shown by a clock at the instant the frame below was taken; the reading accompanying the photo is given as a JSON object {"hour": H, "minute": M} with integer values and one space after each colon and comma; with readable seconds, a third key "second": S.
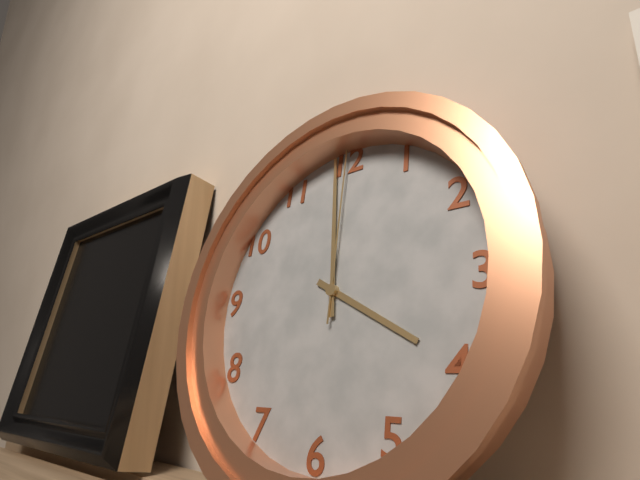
{"hour": 3, "minute": 59, "second": 0}
